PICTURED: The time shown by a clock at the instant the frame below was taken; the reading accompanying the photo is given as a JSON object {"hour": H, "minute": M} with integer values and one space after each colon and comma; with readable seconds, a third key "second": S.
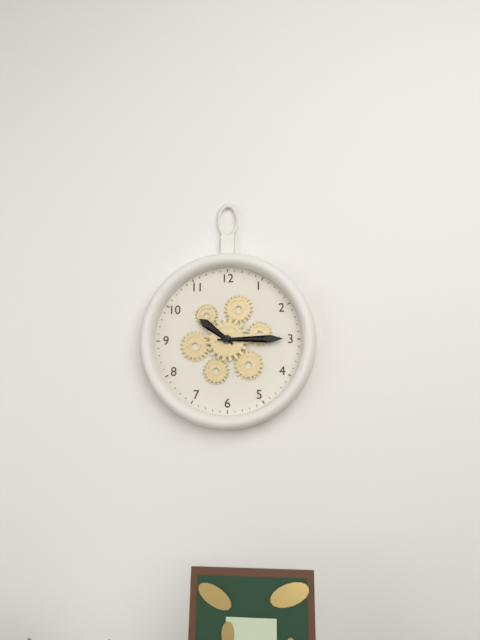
{"hour": 10, "minute": 15}
